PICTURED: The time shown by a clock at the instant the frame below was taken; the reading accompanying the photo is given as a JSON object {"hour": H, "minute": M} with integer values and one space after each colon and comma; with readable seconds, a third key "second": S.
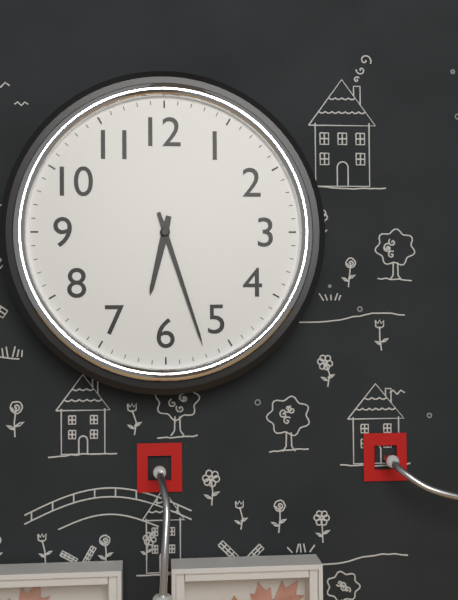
{"hour": 6, "minute": 27}
